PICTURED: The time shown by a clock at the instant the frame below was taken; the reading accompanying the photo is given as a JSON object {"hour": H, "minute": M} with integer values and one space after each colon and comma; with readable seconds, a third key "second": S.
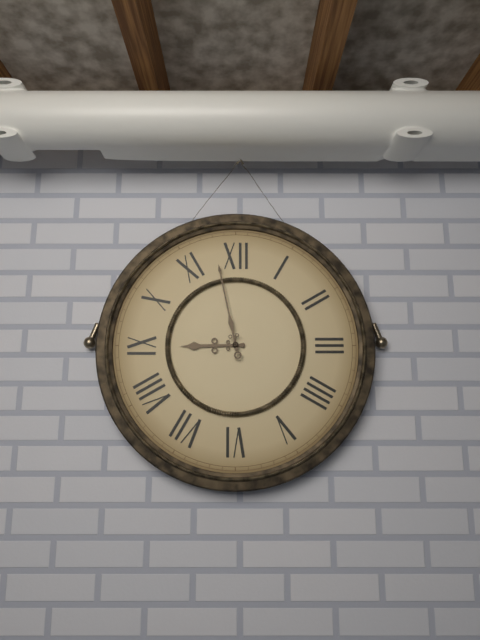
{"hour": 8, "minute": 58}
